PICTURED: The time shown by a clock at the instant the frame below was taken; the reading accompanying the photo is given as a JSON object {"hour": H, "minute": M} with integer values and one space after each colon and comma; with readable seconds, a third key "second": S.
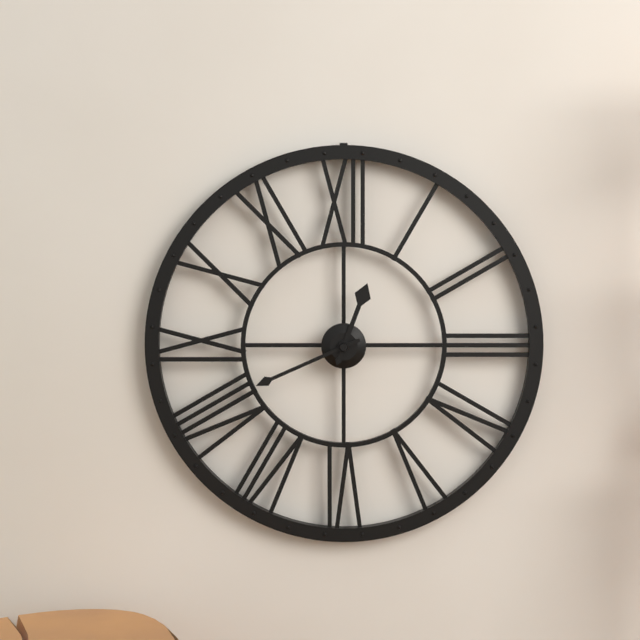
{"hour": 12, "minute": 41}
